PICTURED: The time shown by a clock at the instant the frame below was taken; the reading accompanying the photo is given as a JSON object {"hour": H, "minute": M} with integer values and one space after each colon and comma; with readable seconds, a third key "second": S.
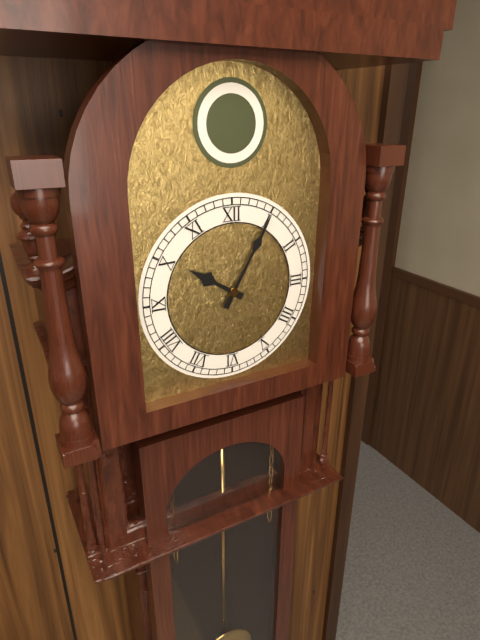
{"hour": 10, "minute": 5}
